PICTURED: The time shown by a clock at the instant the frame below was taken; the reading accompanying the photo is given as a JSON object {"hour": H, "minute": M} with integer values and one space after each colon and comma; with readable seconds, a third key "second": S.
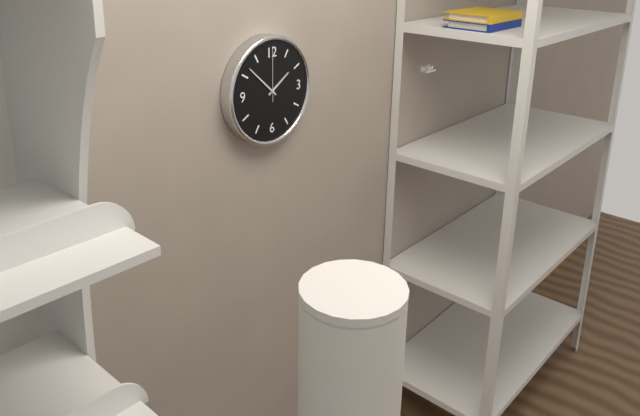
{"hour": 1, "minute": 52, "second": 0}
